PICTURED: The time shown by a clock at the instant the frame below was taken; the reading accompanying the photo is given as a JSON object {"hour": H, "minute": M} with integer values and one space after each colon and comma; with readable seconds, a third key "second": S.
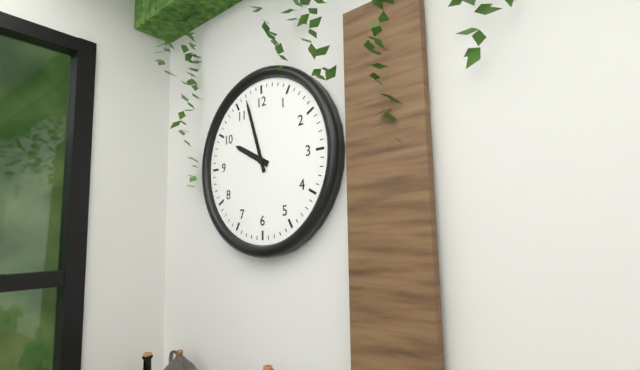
{"hour": 9, "minute": 57}
